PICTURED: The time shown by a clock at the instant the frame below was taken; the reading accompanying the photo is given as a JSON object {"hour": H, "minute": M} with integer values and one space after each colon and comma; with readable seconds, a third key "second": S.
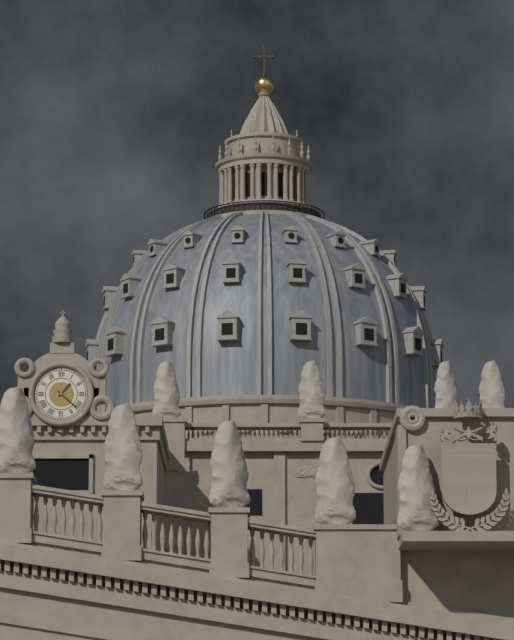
{"hour": 1, "minute": 22}
